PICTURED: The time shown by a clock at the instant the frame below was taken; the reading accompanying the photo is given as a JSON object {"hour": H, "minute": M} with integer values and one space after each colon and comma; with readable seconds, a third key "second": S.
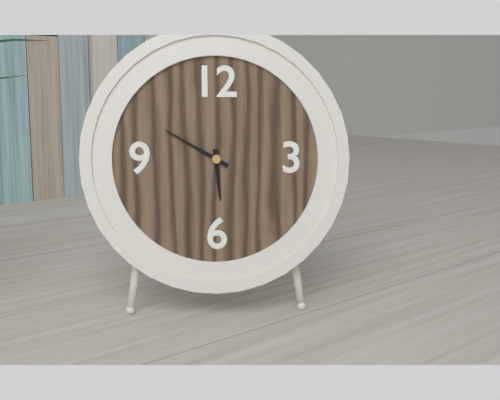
{"hour": 5, "minute": 50}
